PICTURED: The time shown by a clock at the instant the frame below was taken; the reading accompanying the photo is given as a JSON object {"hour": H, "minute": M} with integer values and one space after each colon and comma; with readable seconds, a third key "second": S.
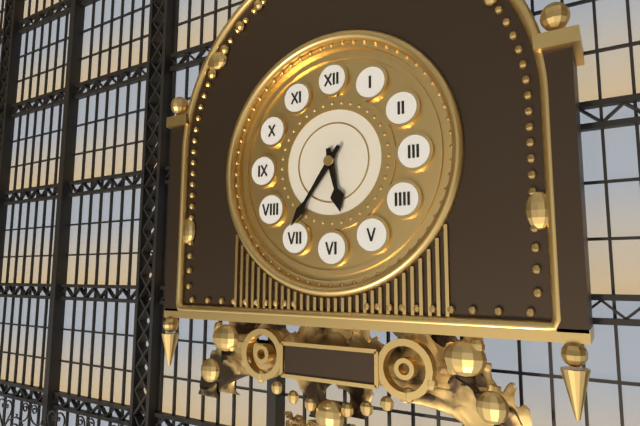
{"hour": 5, "minute": 36}
